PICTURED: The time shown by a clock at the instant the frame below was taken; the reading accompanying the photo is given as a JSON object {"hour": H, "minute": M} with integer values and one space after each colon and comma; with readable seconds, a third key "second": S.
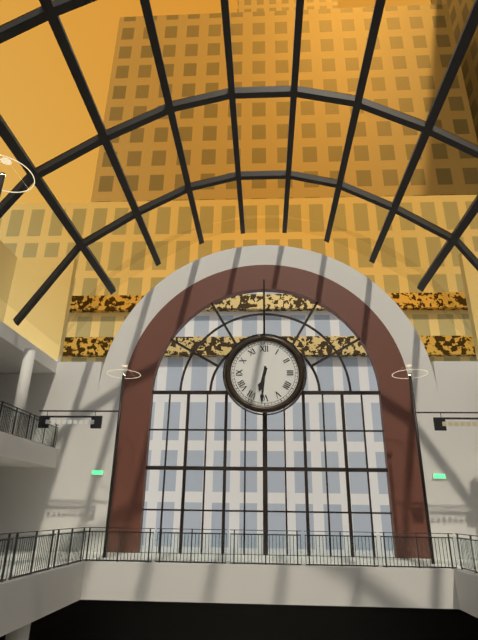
{"hour": 6, "minute": 31}
